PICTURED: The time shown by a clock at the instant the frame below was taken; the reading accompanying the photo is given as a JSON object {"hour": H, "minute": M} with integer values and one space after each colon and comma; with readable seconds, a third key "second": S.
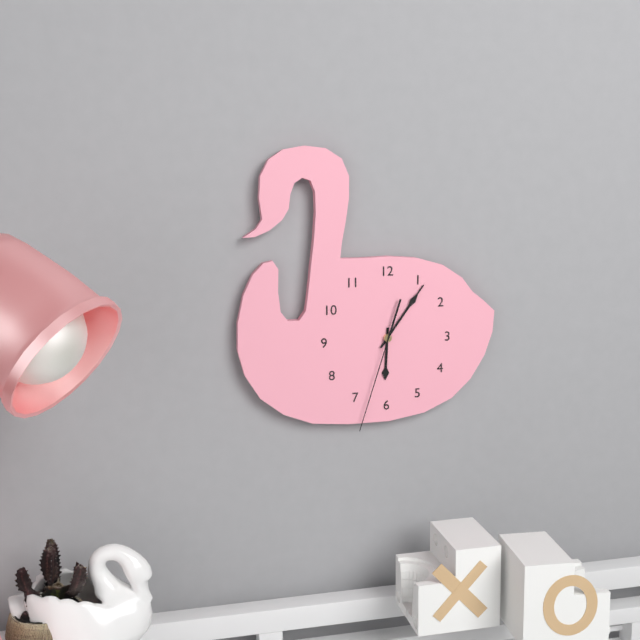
{"hour": 6, "minute": 6, "second": 33}
